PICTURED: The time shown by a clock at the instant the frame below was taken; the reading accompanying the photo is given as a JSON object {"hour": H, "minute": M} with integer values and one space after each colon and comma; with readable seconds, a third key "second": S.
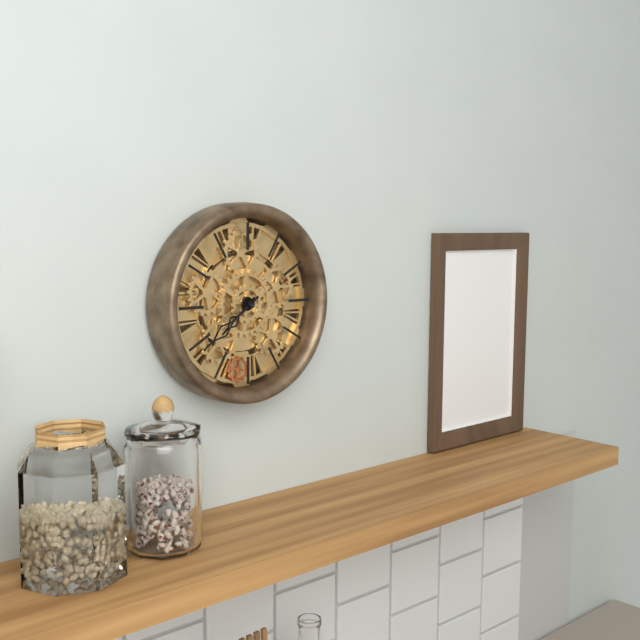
{"hour": 7, "minute": 39}
